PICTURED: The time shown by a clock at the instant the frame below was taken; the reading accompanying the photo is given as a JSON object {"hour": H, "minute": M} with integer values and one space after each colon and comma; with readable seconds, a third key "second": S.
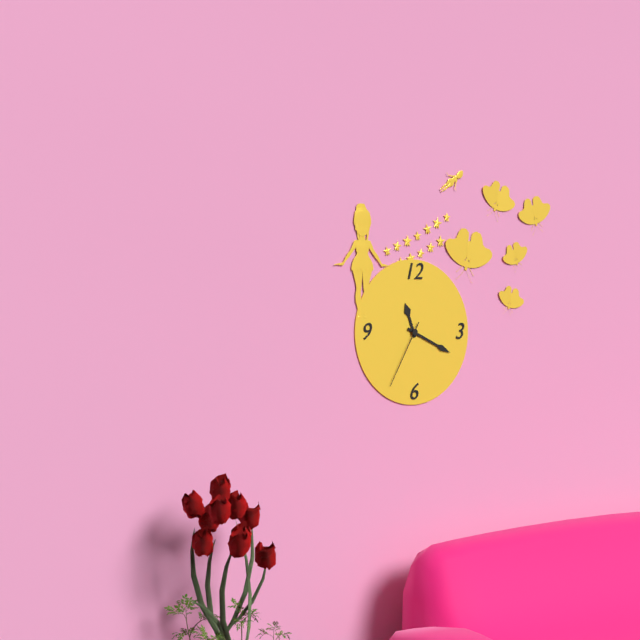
{"hour": 11, "minute": 19, "second": 35}
